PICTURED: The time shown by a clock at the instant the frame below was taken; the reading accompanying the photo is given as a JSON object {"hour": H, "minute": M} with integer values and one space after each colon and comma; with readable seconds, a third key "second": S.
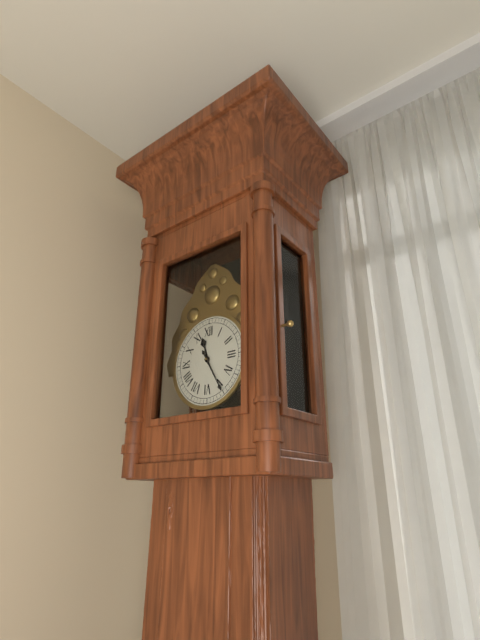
{"hour": 11, "minute": 25}
